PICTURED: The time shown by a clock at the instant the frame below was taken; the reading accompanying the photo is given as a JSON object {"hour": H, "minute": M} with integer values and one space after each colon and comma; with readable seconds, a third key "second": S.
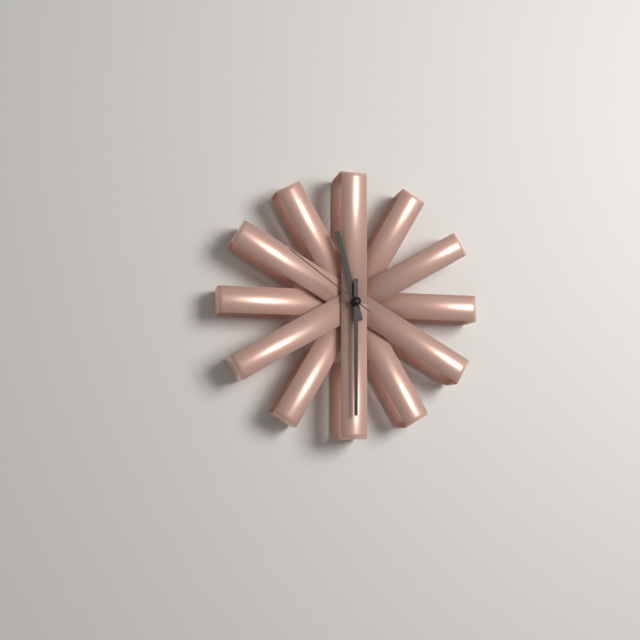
{"hour": 11, "minute": 30, "second": 51}
